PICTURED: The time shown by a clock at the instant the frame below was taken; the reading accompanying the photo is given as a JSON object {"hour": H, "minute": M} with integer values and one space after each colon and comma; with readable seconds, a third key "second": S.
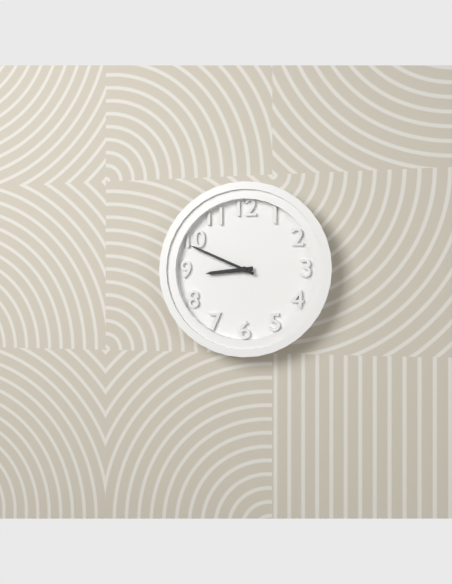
{"hour": 8, "minute": 49}
